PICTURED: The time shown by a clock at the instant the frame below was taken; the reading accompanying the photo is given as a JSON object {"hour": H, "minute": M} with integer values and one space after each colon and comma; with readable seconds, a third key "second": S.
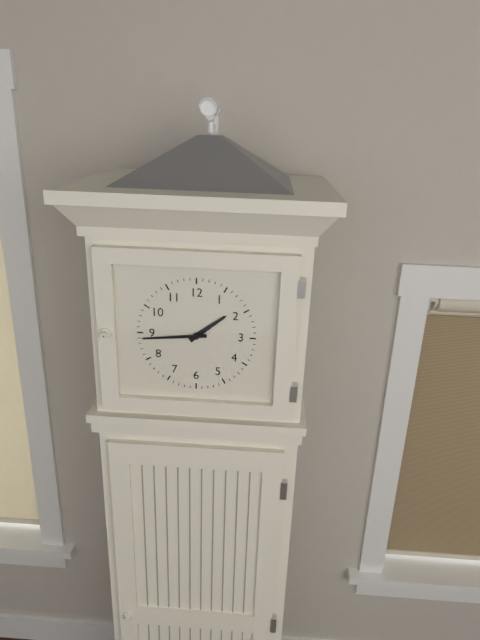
{"hour": 1, "minute": 44}
